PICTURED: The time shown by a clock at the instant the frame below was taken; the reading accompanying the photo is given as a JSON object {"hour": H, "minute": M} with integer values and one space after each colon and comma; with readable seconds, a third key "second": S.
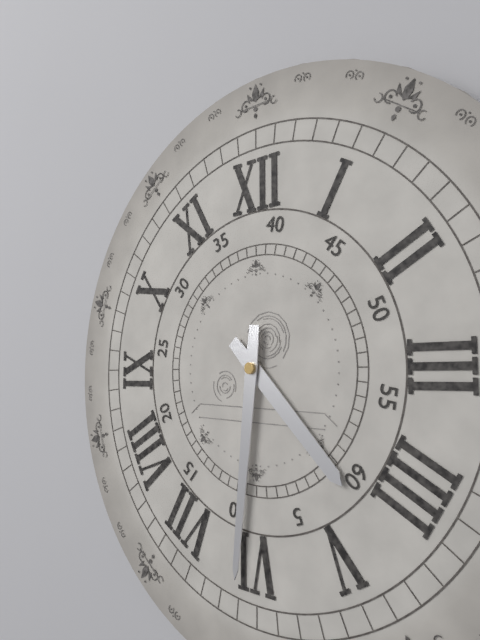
{"hour": 4, "minute": 31}
